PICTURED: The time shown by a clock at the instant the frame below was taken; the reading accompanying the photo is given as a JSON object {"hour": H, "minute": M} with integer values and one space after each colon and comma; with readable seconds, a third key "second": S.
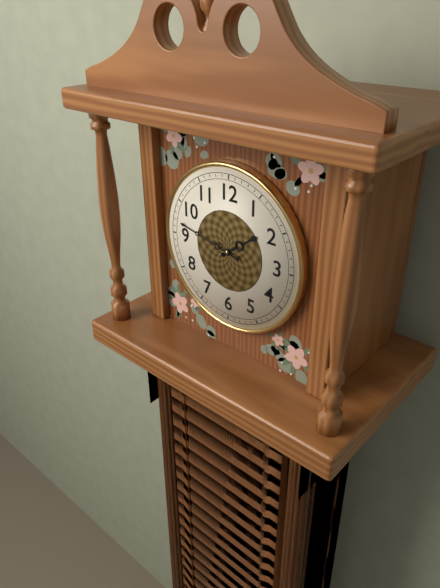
{"hour": 1, "minute": 47}
